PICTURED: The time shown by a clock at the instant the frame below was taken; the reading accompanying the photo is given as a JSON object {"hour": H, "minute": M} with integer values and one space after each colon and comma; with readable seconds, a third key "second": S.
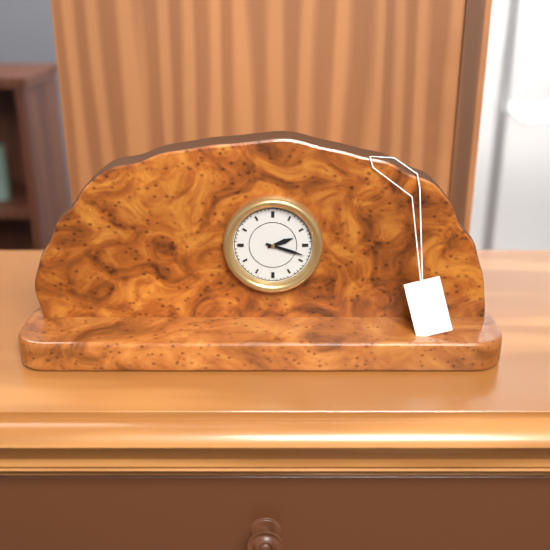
{"hour": 2, "minute": 18}
